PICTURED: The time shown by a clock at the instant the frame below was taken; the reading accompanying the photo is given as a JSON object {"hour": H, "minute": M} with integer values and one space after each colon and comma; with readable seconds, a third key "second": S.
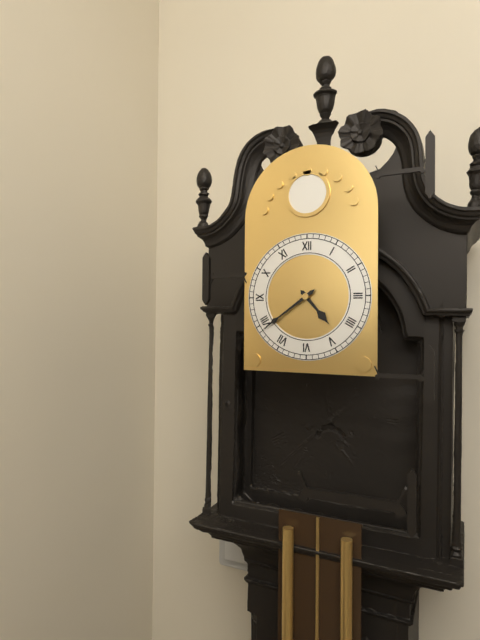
{"hour": 4, "minute": 39}
